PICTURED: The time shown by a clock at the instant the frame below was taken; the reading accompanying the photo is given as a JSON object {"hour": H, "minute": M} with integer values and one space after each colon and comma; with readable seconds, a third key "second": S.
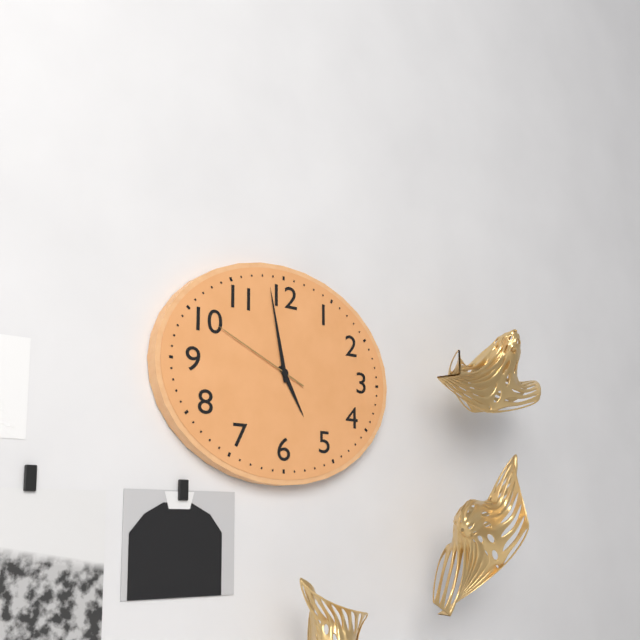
{"hour": 4, "minute": 58, "second": 49}
